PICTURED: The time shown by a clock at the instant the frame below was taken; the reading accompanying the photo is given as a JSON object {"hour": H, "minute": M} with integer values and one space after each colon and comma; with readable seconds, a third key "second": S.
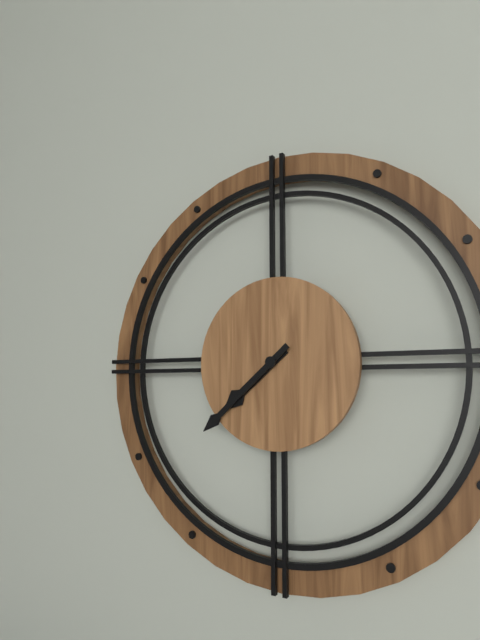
{"hour": 7, "minute": 38}
